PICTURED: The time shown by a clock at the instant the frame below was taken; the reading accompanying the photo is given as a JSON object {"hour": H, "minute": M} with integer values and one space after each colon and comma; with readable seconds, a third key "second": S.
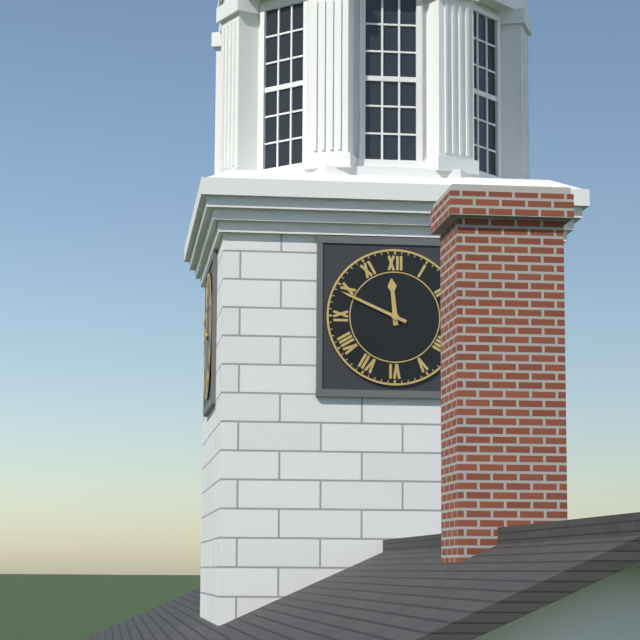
{"hour": 11, "minute": 49}
